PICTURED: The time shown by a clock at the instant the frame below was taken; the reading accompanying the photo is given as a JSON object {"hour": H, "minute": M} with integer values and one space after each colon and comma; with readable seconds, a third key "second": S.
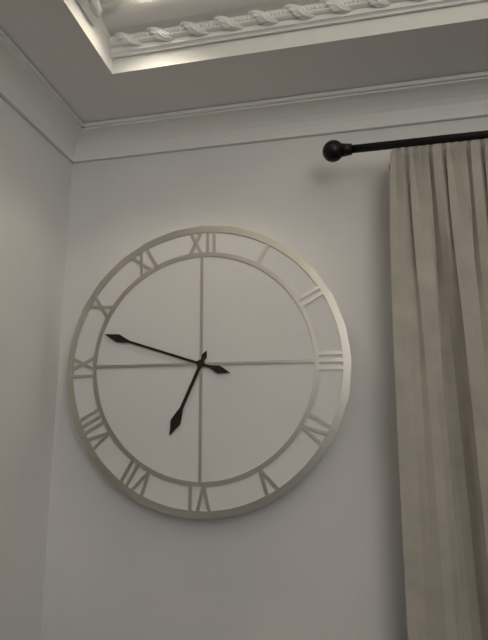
{"hour": 6, "minute": 48}
